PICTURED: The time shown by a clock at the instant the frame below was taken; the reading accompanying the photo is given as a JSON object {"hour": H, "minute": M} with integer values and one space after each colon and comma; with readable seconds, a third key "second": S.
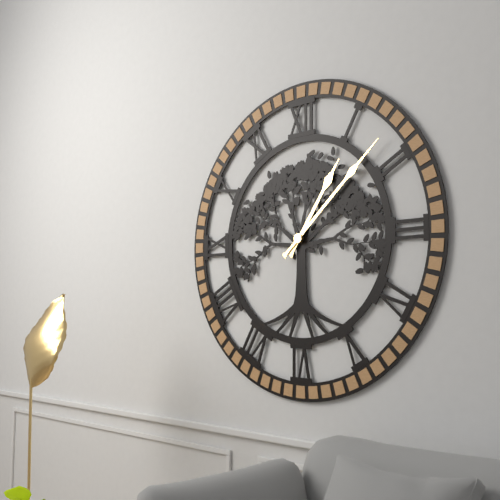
{"hour": 1, "minute": 8}
